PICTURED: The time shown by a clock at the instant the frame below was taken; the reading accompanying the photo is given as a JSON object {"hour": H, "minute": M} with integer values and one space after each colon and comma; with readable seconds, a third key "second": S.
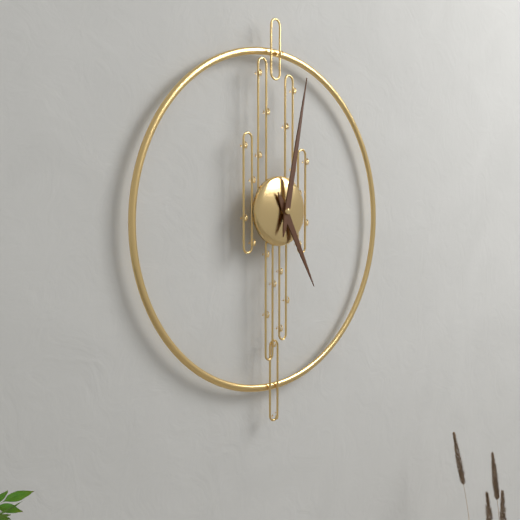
{"hour": 5, "minute": 2}
